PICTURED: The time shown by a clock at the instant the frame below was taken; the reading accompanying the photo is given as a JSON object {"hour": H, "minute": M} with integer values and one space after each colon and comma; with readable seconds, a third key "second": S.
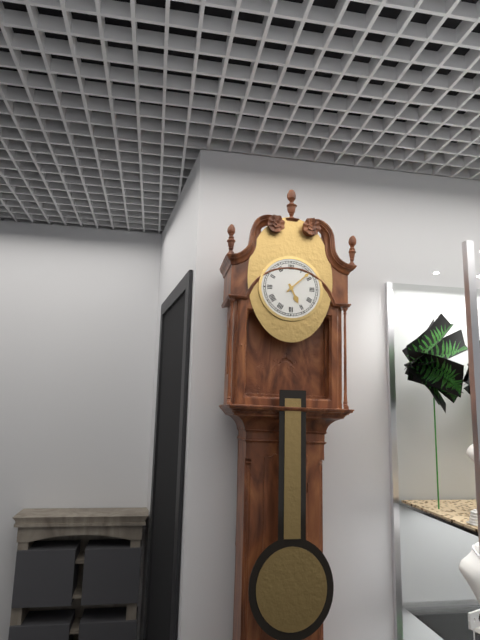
{"hour": 5, "minute": 8}
